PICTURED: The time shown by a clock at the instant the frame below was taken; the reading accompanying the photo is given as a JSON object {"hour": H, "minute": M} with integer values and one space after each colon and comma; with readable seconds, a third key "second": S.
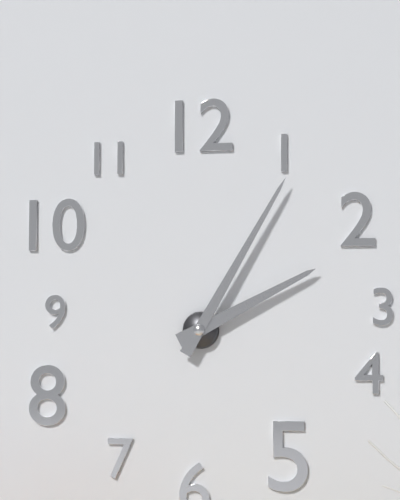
{"hour": 2, "minute": 5}
